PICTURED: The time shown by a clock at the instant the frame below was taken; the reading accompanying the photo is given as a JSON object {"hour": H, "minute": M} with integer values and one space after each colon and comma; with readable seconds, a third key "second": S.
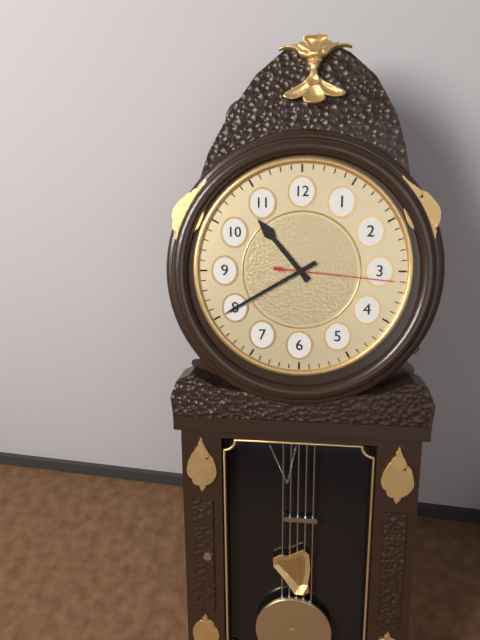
{"hour": 10, "minute": 40, "second": 16}
